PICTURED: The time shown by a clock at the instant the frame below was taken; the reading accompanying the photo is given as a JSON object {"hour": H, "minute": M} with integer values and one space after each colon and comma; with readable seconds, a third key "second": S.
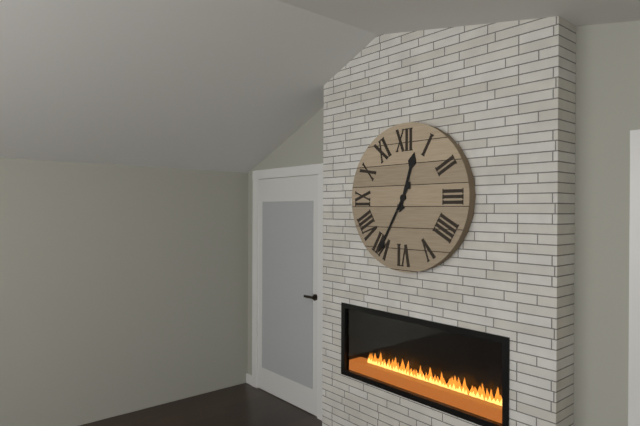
{"hour": 12, "minute": 35}
